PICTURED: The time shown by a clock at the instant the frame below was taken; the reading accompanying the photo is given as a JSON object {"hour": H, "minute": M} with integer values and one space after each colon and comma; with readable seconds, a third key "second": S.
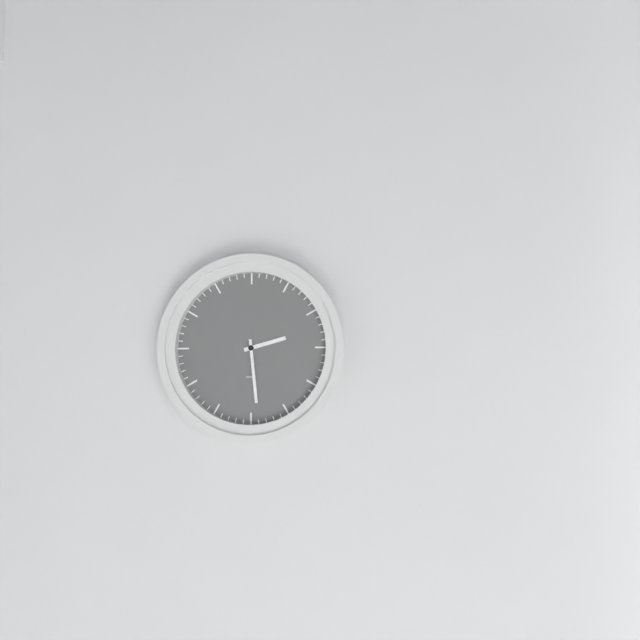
{"hour": 2, "minute": 29}
